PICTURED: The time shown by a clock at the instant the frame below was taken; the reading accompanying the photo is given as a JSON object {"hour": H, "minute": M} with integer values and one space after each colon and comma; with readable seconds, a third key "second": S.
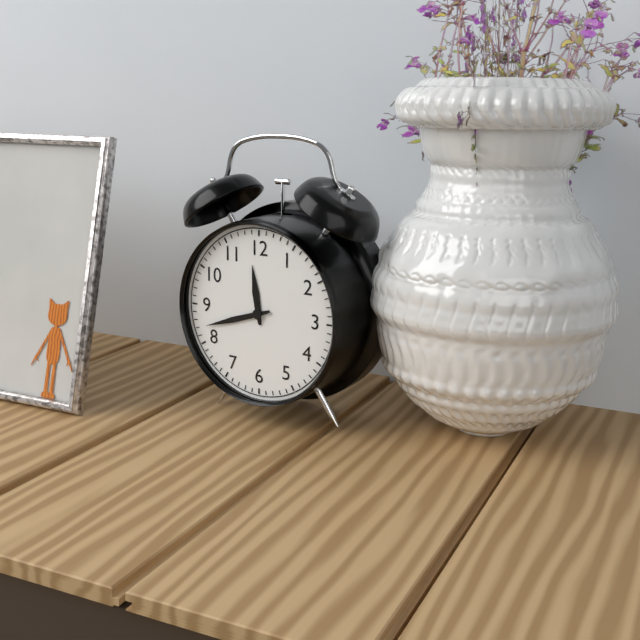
{"hour": 11, "minute": 42}
